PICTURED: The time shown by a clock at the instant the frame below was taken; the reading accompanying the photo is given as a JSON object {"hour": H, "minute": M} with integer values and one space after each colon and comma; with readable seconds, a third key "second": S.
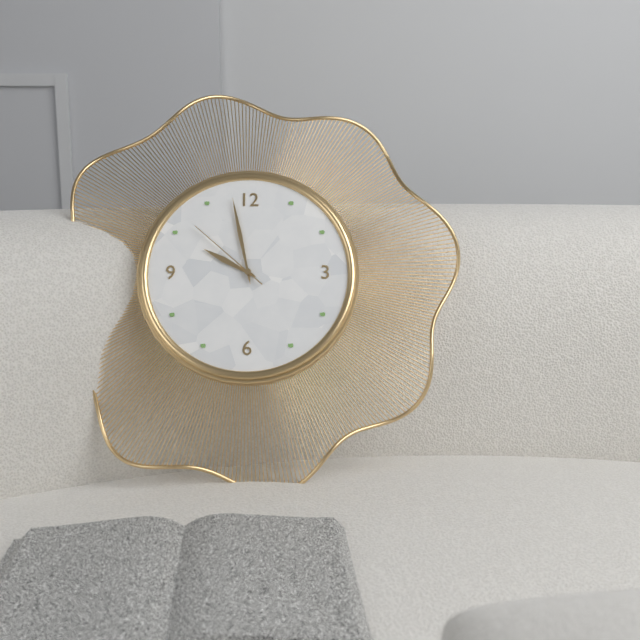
{"hour": 9, "minute": 58, "second": 52}
